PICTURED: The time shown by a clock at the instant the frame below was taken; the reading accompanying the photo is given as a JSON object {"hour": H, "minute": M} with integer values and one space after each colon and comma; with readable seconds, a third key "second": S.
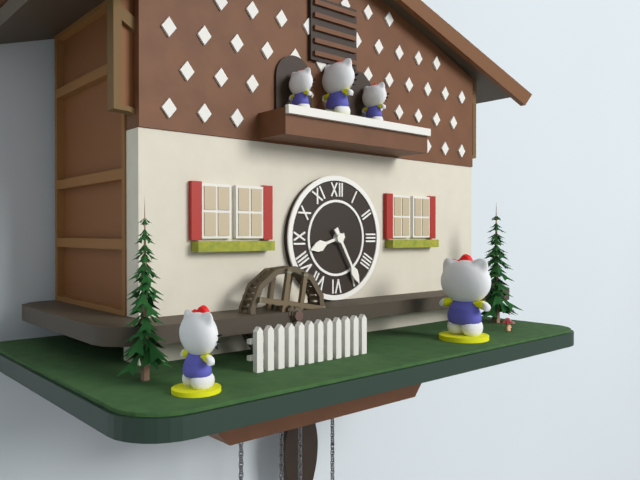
{"hour": 8, "minute": 25}
